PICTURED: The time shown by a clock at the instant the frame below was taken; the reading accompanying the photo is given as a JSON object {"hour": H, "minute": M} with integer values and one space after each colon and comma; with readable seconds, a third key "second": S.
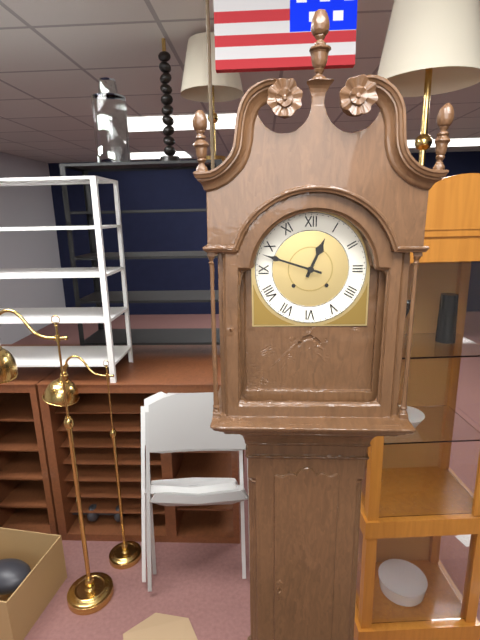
{"hour": 12, "minute": 48}
